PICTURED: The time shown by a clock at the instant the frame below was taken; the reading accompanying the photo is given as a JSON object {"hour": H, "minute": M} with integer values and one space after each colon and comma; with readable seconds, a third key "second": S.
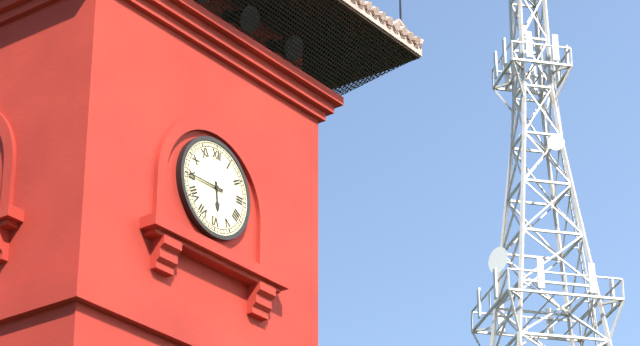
{"hour": 5, "minute": 45}
